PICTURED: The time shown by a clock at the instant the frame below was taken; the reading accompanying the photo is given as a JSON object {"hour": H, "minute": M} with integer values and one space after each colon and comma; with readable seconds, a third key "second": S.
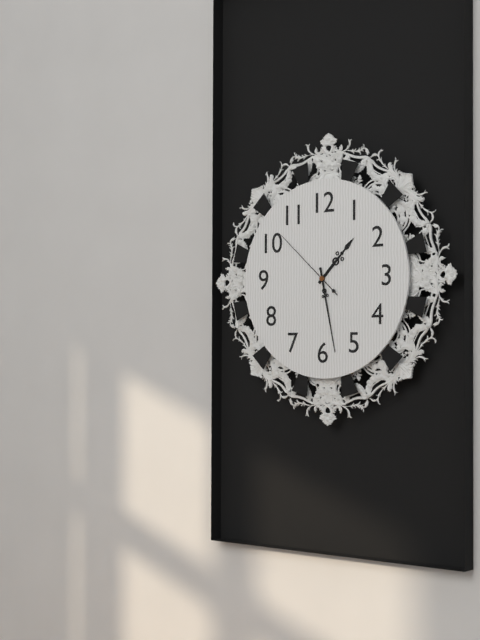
{"hour": 1, "minute": 28, "second": 52}
